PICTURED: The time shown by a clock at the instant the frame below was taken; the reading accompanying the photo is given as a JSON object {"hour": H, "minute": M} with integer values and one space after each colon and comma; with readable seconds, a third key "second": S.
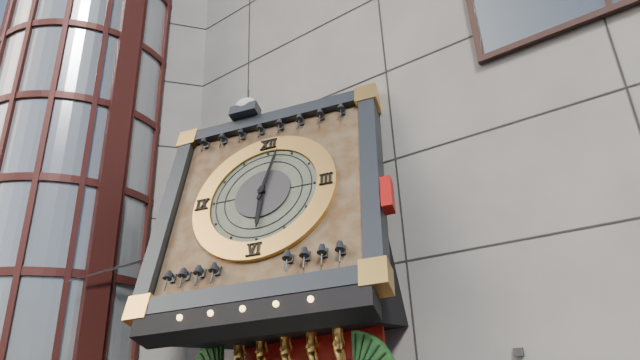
{"hour": 6, "minute": 2}
